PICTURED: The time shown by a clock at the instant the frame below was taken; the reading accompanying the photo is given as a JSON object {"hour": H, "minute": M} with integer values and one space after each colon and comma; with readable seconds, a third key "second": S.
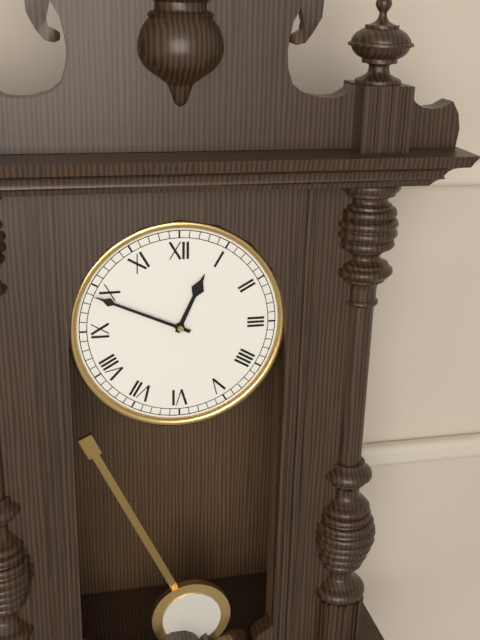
{"hour": 12, "minute": 49}
